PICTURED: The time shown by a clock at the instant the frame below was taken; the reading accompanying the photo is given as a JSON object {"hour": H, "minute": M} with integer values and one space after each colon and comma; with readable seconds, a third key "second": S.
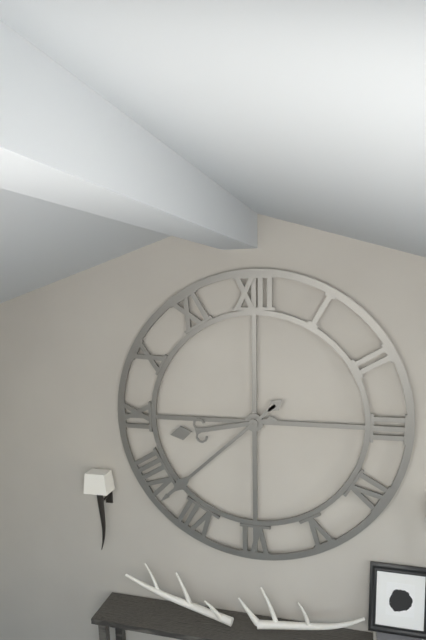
{"hour": 8, "minute": 38}
